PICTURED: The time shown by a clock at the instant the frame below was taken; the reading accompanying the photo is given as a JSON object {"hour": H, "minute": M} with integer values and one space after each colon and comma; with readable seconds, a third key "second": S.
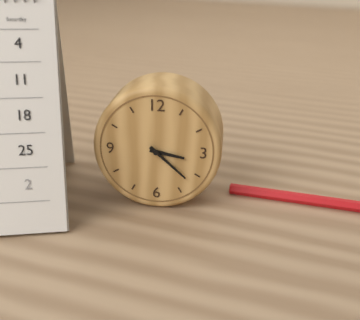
{"hour": 3, "minute": 22}
